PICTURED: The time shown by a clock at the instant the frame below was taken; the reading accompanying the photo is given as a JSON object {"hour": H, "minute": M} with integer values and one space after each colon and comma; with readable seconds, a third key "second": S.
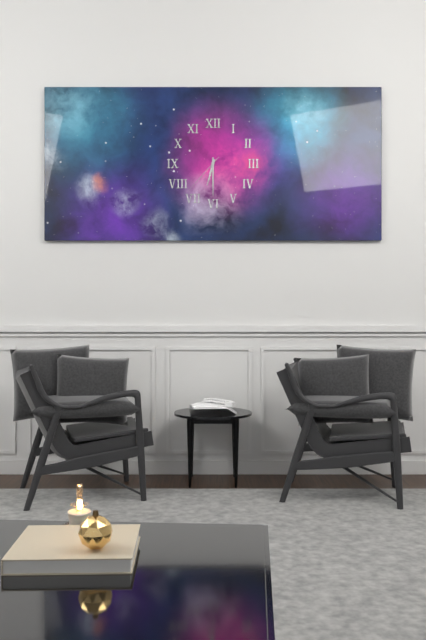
{"hour": 6, "minute": 30}
